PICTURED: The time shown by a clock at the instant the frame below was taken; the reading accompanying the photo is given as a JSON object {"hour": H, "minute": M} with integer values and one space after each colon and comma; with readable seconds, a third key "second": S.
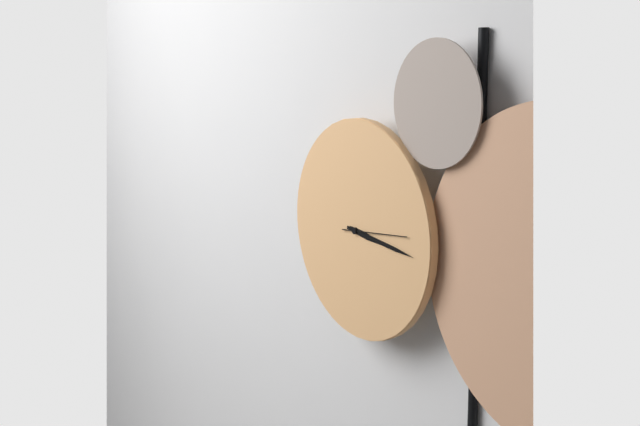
{"hour": 3, "minute": 16, "second": 14}
